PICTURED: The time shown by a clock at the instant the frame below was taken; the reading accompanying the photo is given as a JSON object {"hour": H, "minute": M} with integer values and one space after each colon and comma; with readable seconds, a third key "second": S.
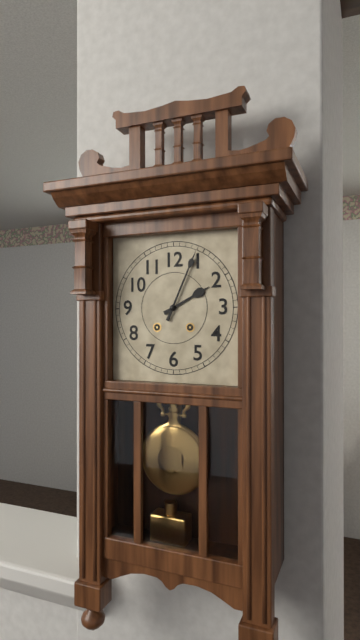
{"hour": 2, "minute": 4}
